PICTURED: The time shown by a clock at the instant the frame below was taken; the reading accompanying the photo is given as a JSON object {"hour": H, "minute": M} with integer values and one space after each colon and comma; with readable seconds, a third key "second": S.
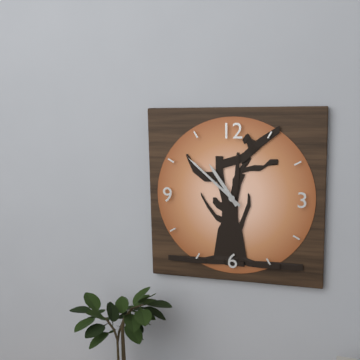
{"hour": 10, "minute": 52}
